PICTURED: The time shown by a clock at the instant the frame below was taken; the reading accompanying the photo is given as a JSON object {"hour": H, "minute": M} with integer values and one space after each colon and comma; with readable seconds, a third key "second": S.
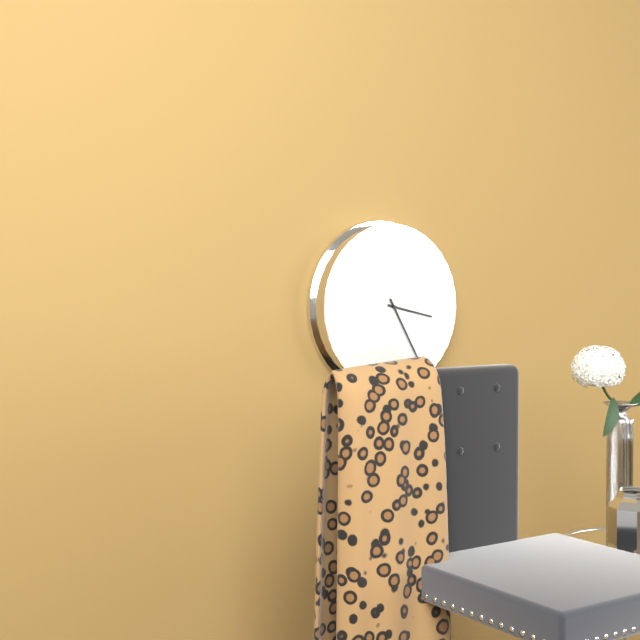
{"hour": 3, "minute": 25}
